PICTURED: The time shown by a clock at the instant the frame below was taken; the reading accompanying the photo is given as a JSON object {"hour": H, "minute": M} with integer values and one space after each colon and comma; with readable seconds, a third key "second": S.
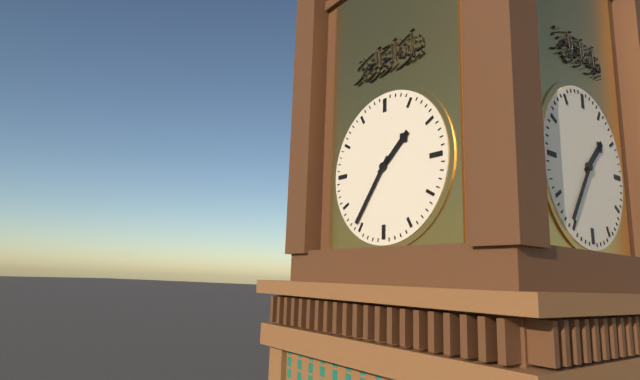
{"hour": 1, "minute": 36}
